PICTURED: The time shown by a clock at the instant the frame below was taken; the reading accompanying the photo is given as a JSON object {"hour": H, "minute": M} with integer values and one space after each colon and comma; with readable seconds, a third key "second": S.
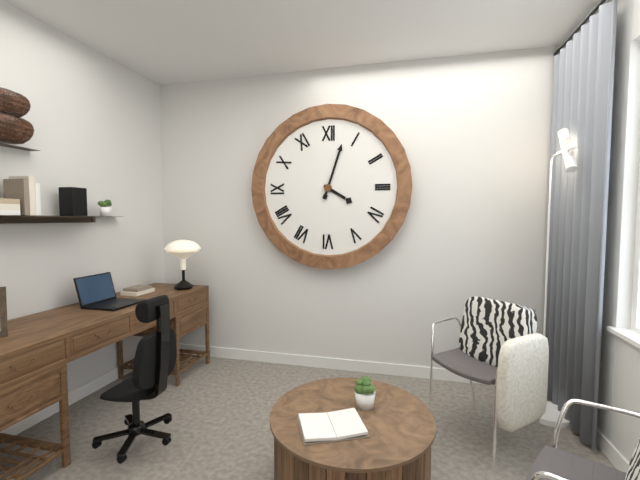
{"hour": 4, "minute": 3}
